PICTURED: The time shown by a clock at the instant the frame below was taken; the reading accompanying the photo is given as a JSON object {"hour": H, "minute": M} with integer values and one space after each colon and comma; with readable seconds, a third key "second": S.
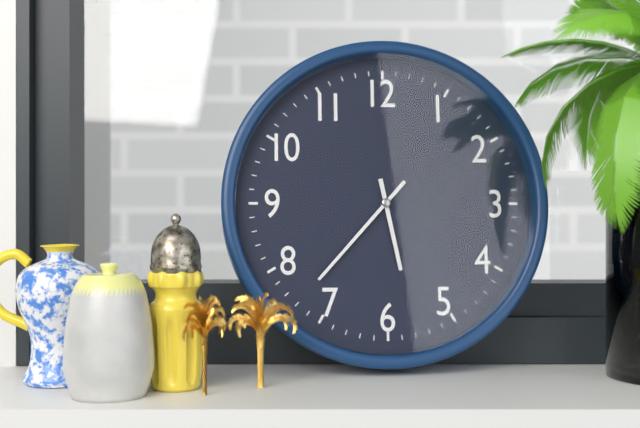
{"hour": 5, "minute": 37}
